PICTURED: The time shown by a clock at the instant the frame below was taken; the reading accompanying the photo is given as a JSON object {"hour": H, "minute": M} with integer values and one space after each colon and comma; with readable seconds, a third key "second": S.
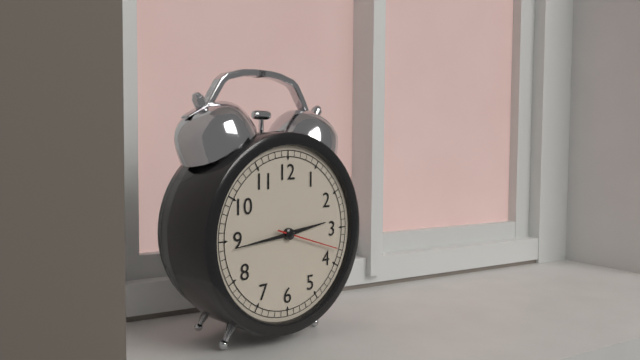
{"hour": 2, "minute": 44, "second": 18}
